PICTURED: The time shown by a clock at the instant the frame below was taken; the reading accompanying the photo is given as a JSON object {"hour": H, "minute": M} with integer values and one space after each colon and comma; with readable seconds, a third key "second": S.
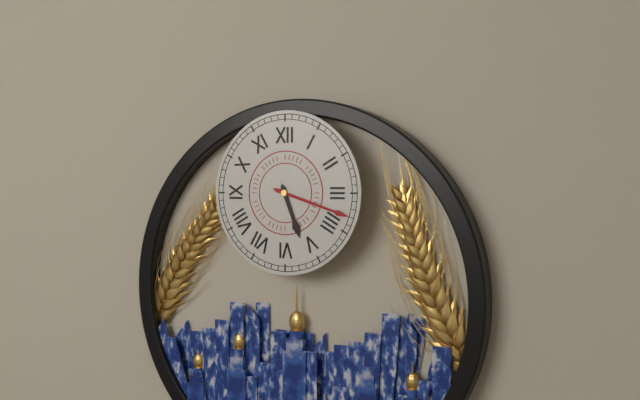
{"hour": 5, "minute": 18}
